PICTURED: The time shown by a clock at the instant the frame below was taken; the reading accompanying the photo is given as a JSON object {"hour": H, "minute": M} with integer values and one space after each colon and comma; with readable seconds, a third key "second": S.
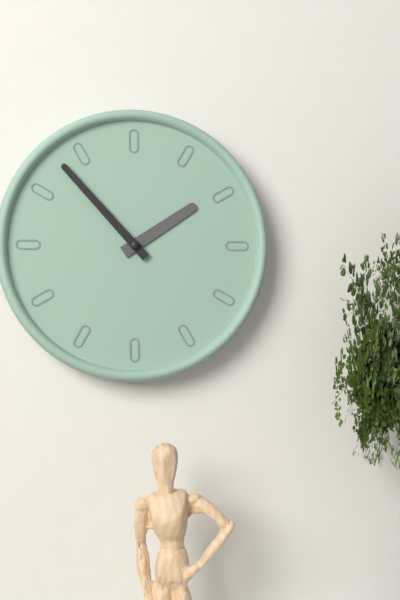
{"hour": 1, "minute": 53}
